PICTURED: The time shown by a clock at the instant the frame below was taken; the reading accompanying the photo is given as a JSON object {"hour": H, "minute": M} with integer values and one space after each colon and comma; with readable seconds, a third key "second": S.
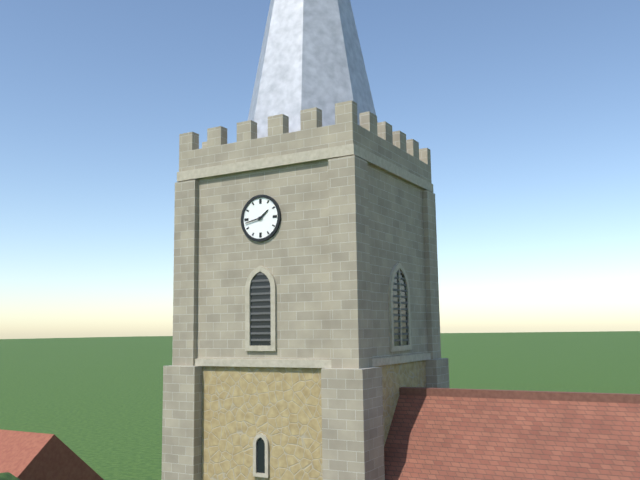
{"hour": 1, "minute": 43}
